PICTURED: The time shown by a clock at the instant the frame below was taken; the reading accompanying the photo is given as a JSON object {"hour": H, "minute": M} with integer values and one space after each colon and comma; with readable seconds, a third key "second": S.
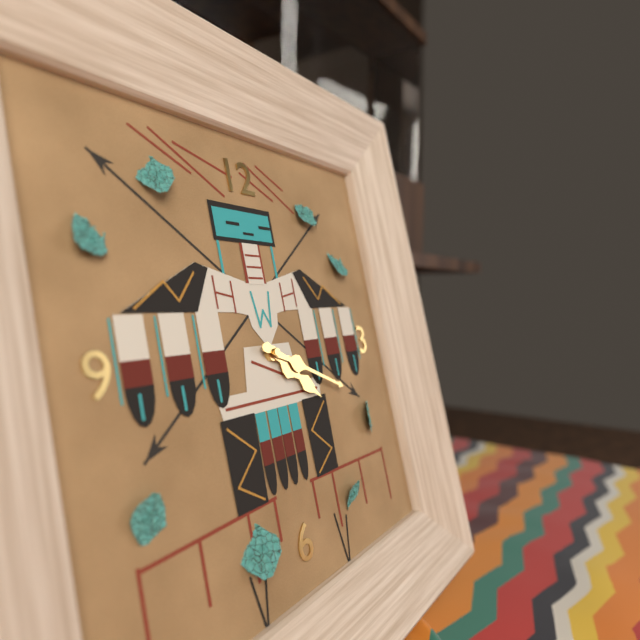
{"hour": 4, "minute": 19}
